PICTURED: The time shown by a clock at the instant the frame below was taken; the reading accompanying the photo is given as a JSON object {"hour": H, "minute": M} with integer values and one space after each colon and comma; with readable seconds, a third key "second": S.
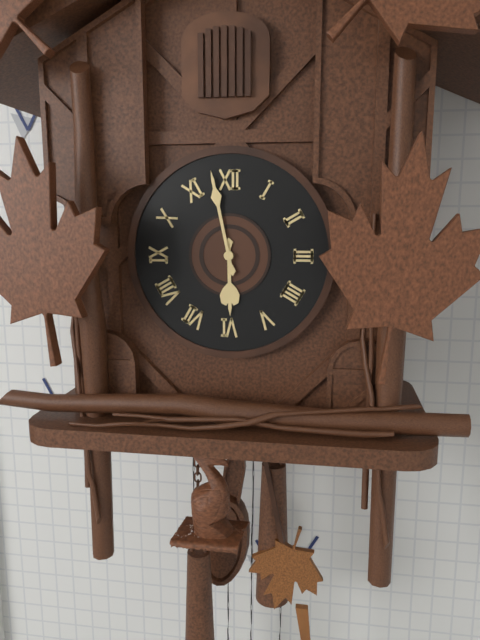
{"hour": 5, "minute": 58}
